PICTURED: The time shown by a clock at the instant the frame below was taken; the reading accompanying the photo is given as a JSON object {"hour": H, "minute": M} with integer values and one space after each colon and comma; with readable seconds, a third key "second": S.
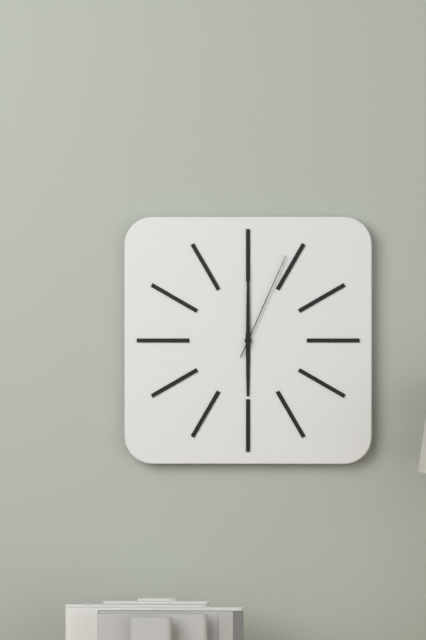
{"hour": 6, "minute": 0, "second": 4}
